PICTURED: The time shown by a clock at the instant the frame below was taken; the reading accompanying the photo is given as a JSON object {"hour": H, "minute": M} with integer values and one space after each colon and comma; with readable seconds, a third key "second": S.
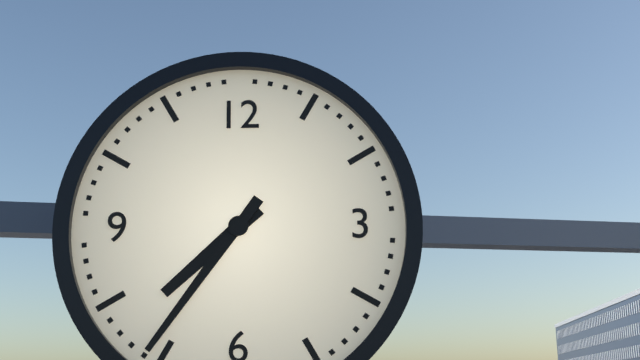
{"hour": 7, "minute": 36}
